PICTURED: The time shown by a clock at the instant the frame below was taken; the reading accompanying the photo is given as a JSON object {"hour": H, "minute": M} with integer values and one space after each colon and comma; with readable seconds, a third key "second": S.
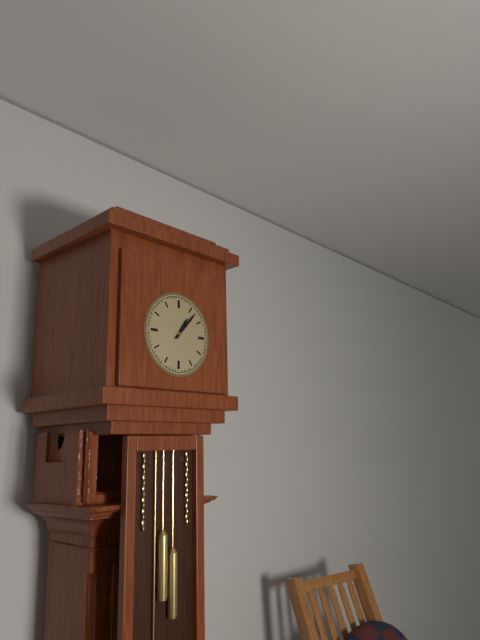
{"hour": 1, "minute": 7}
